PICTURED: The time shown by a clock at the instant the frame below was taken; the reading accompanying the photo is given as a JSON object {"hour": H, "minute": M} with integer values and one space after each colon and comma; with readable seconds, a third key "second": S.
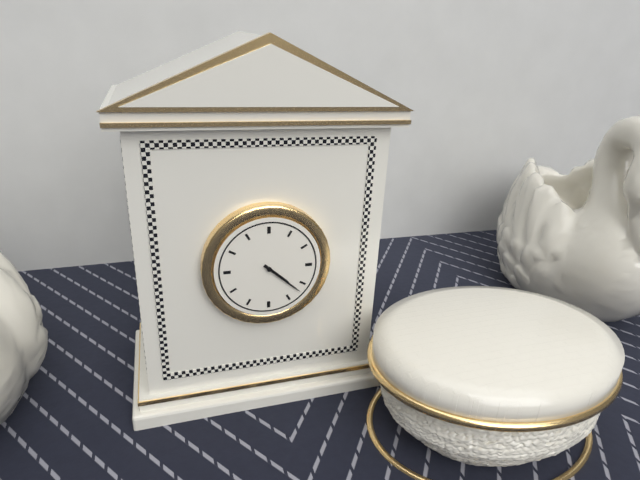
{"hour": 4, "minute": 22}
